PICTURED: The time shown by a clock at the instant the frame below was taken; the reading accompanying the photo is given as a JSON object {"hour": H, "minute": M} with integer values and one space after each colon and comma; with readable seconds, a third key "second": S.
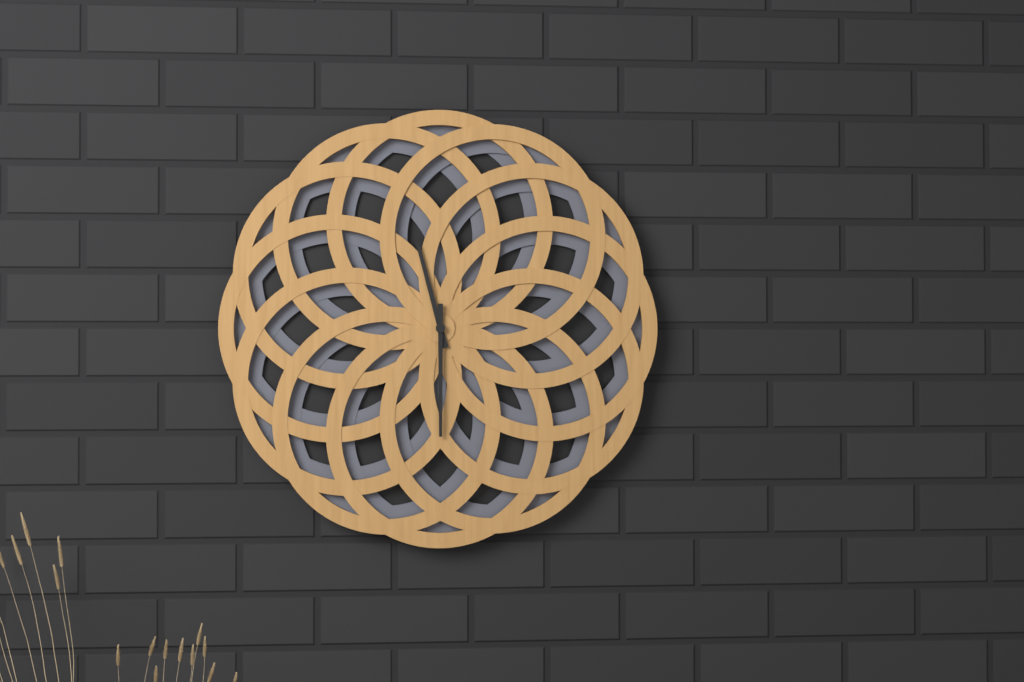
{"hour": 11, "minute": 30}
